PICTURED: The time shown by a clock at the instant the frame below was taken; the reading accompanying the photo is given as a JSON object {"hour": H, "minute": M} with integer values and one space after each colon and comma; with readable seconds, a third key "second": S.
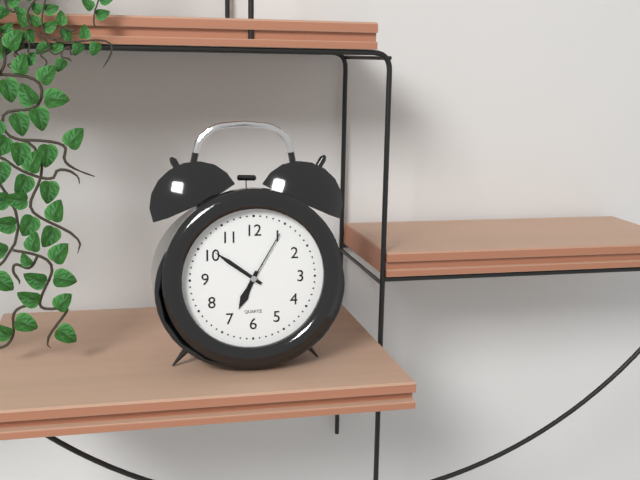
{"hour": 6, "minute": 51, "second": 5}
